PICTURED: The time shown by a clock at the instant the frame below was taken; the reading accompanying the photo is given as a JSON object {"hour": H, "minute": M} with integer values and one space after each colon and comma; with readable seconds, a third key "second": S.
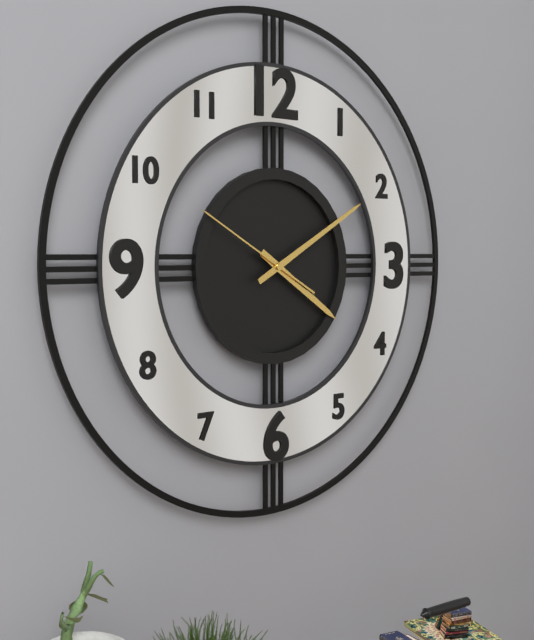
{"hour": 4, "minute": 10, "second": 50}
